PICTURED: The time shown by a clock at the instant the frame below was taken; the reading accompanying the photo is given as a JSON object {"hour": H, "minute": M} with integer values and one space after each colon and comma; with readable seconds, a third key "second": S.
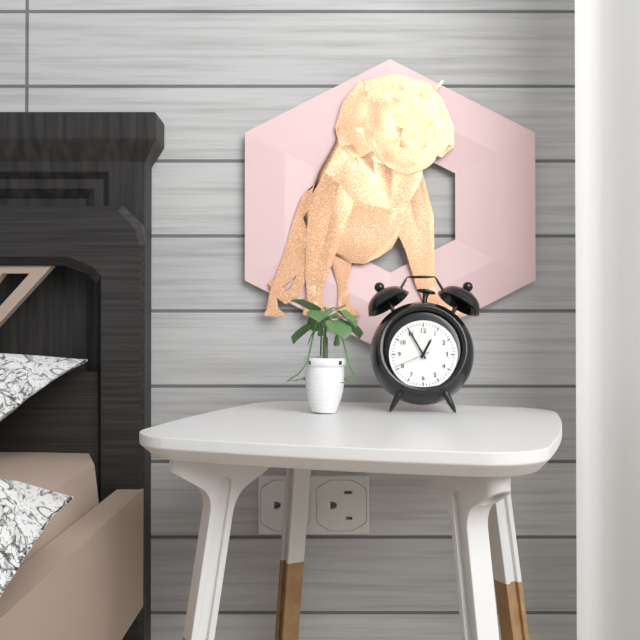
{"hour": 12, "minute": 55}
